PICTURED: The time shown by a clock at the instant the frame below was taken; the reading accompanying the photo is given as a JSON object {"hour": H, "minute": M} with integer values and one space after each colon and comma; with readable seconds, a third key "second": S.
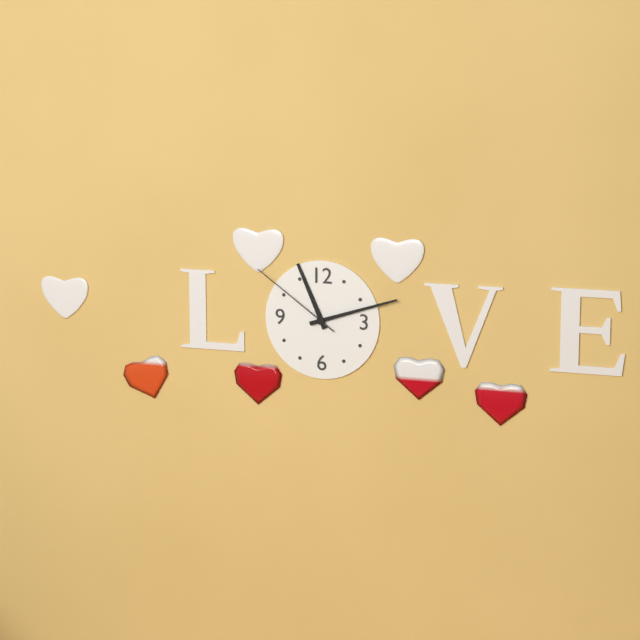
{"hour": 11, "minute": 12, "second": 51}
